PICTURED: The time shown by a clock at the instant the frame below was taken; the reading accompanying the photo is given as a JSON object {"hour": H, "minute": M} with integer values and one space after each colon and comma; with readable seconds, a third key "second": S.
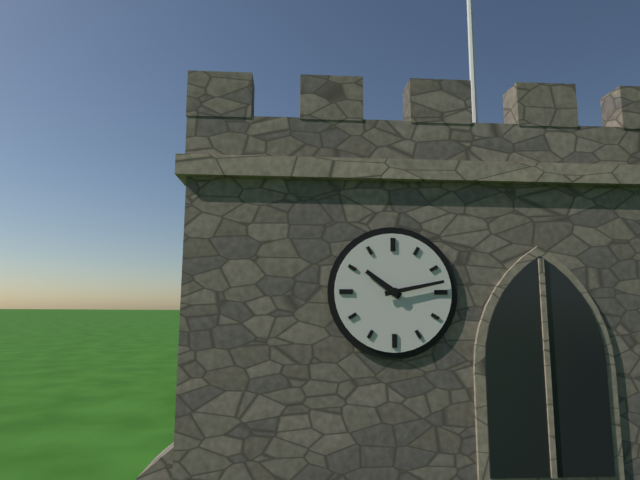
{"hour": 10, "minute": 13}
